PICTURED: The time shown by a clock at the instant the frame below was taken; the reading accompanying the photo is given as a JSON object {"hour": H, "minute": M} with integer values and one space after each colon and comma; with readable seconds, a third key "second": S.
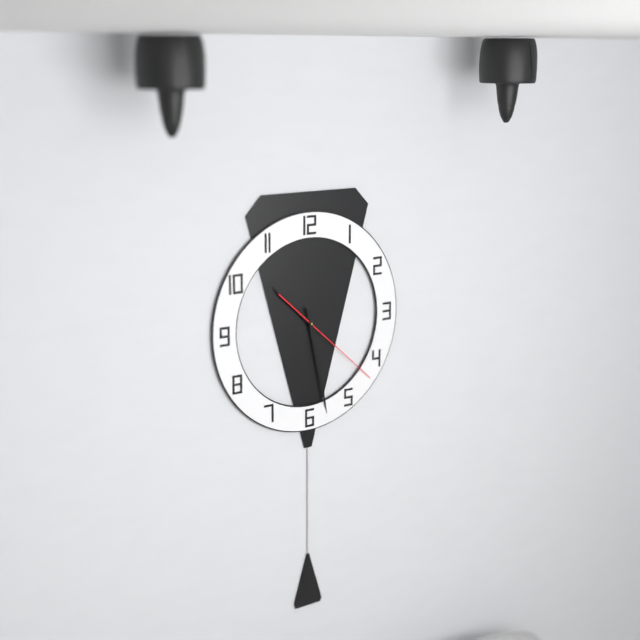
{"hour": 10, "minute": 28, "second": 22}
